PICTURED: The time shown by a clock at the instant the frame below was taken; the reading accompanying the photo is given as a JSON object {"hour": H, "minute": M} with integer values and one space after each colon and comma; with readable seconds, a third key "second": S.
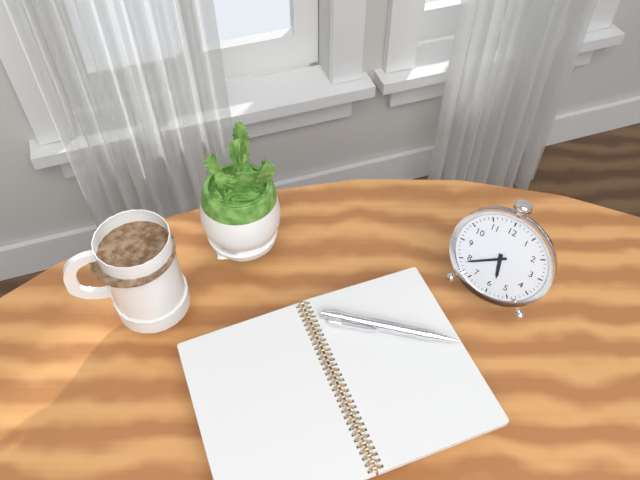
{"hour": 5, "minute": 39}
